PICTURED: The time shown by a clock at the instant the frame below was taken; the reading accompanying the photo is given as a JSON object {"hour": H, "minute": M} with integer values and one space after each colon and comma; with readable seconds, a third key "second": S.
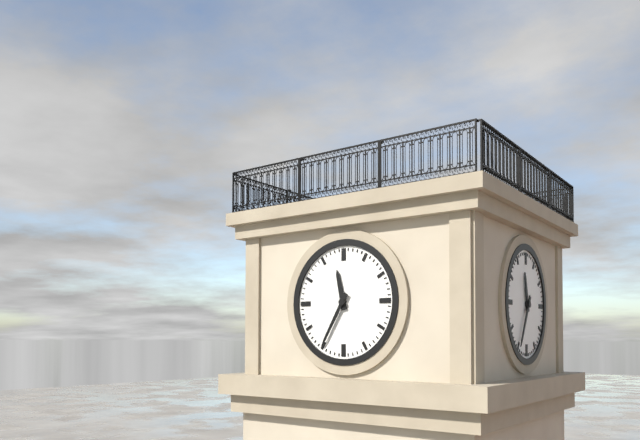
{"hour": 11, "minute": 35}
